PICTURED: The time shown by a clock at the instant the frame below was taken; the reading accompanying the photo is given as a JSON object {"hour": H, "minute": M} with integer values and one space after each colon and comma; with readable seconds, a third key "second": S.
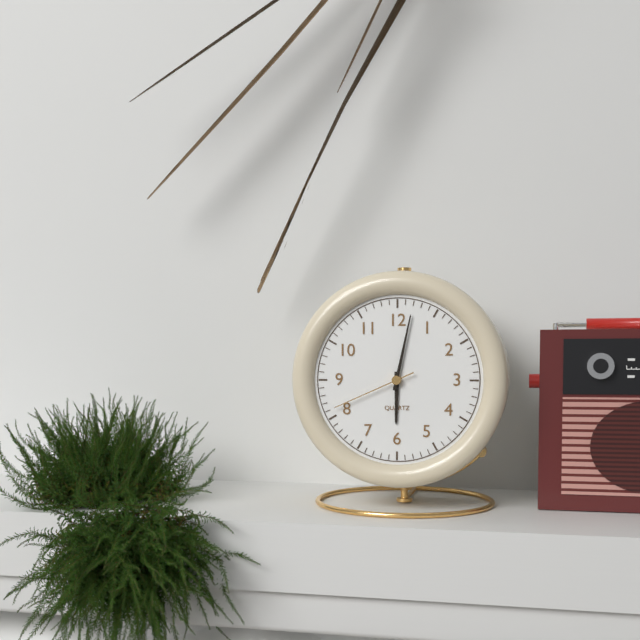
{"hour": 6, "minute": 2, "second": 41}
